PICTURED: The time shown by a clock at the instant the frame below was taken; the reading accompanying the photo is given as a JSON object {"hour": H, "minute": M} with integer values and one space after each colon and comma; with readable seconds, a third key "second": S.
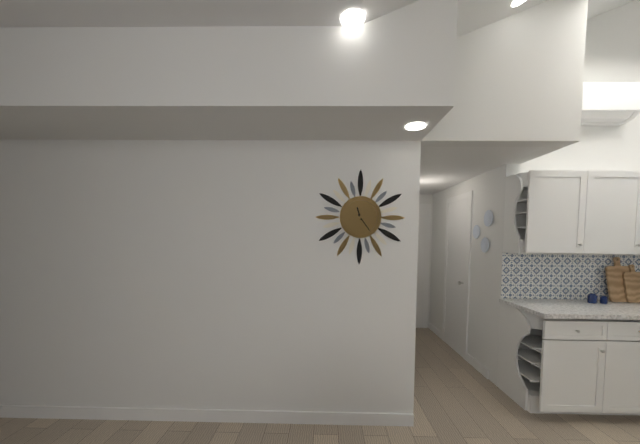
{"hour": 11, "minute": 24}
